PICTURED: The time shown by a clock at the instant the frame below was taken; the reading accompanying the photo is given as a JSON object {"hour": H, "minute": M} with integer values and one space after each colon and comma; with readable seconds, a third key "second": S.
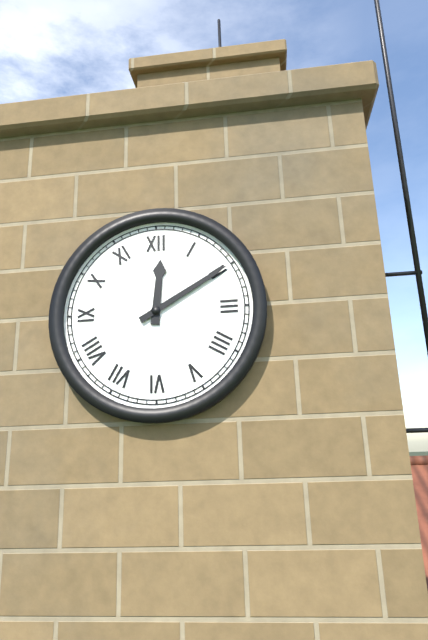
{"hour": 12, "minute": 10}
